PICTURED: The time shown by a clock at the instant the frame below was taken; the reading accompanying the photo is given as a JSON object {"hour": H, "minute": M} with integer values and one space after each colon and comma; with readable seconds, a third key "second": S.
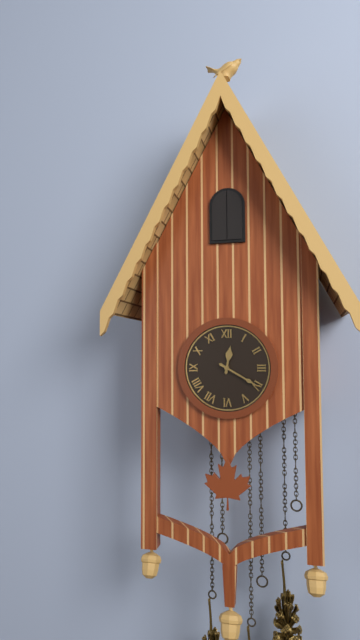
{"hour": 12, "minute": 20}
